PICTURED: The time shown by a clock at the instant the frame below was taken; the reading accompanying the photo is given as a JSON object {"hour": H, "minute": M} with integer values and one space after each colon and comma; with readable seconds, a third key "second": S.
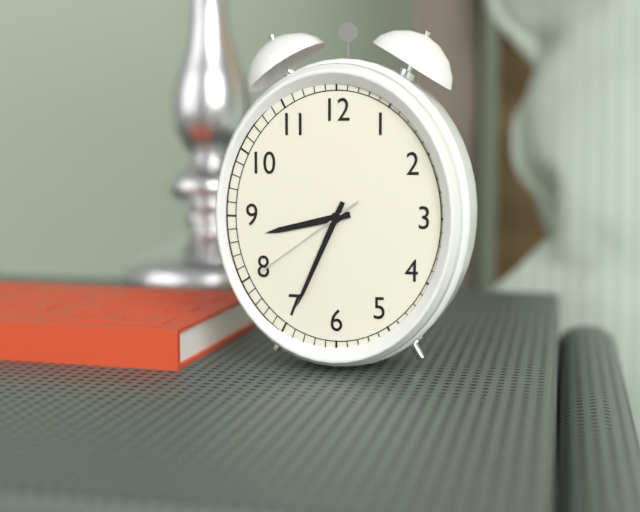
{"hour": 8, "minute": 34, "second": 39}
